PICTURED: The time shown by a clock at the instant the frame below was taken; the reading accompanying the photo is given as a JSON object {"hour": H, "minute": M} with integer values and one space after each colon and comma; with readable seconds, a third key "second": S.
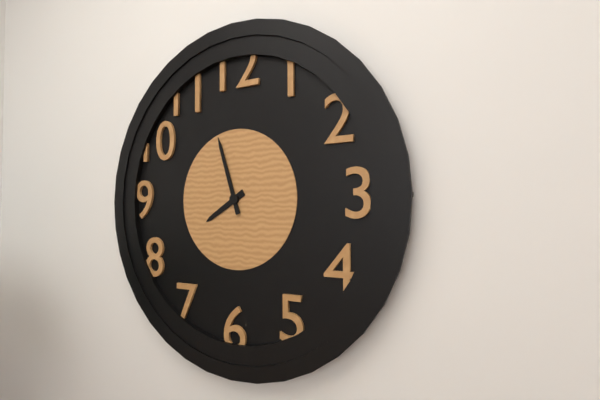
{"hour": 7, "minute": 57}
